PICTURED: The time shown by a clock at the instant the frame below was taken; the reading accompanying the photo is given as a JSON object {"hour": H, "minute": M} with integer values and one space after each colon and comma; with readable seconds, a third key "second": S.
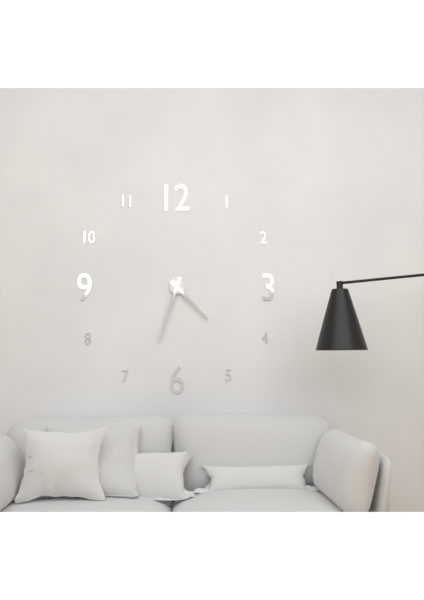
{"hour": 4, "minute": 33}
